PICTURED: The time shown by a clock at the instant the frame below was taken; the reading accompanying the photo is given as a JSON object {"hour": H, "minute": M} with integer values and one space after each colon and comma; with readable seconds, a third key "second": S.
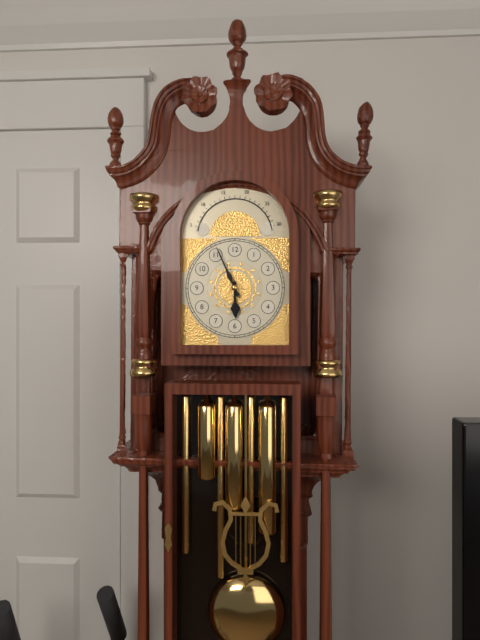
{"hour": 5, "minute": 56}
